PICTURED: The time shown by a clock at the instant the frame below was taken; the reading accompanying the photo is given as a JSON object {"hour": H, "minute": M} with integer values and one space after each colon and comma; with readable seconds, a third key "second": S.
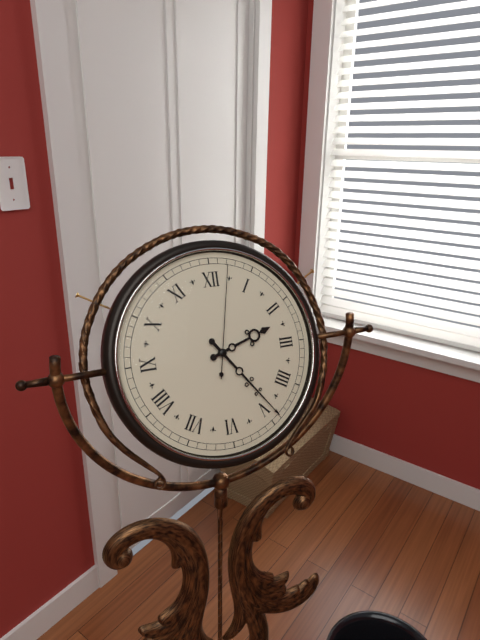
{"hour": 2, "minute": 24, "second": 2}
